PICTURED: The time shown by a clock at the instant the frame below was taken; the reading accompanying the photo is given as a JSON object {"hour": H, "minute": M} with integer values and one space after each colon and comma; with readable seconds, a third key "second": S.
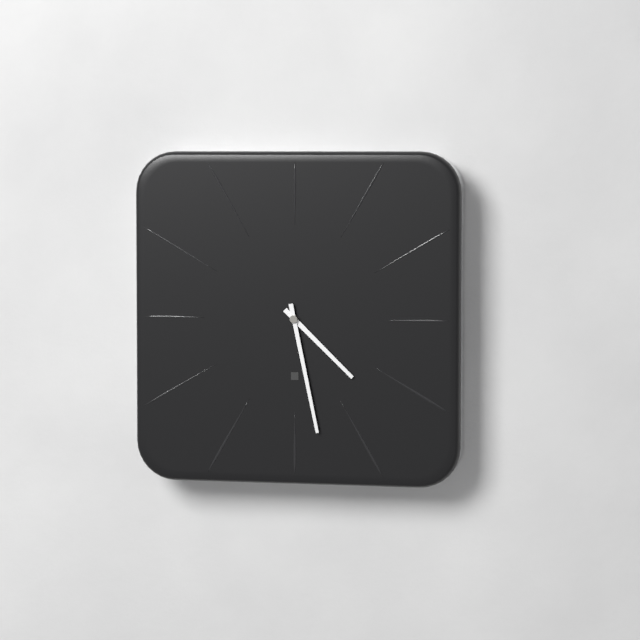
{"hour": 4, "minute": 28}
